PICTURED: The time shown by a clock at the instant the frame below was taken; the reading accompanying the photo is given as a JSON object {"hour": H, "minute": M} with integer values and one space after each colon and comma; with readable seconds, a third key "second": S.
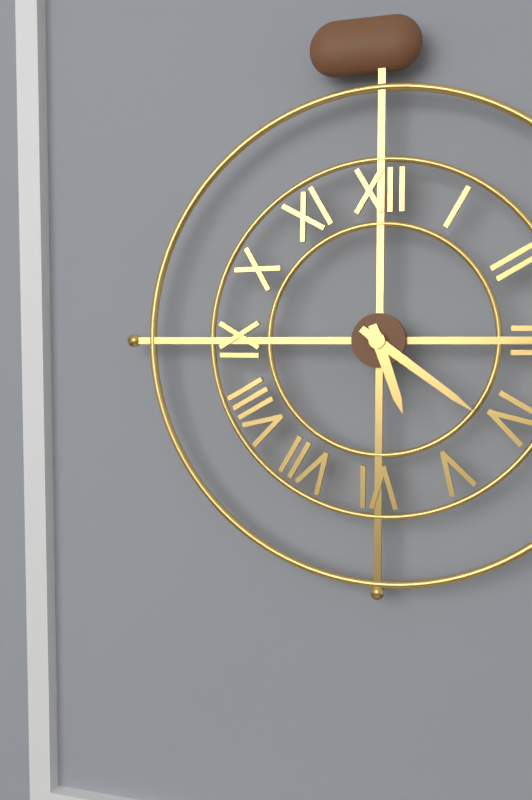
{"hour": 5, "minute": 21}
